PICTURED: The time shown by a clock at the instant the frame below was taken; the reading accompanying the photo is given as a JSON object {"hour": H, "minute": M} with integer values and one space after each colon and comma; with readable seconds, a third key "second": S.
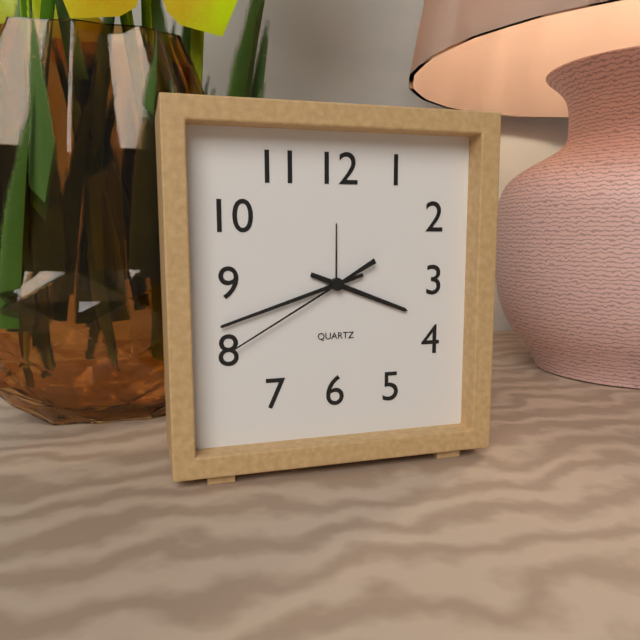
{"hour": 3, "minute": 42, "second": 40}
